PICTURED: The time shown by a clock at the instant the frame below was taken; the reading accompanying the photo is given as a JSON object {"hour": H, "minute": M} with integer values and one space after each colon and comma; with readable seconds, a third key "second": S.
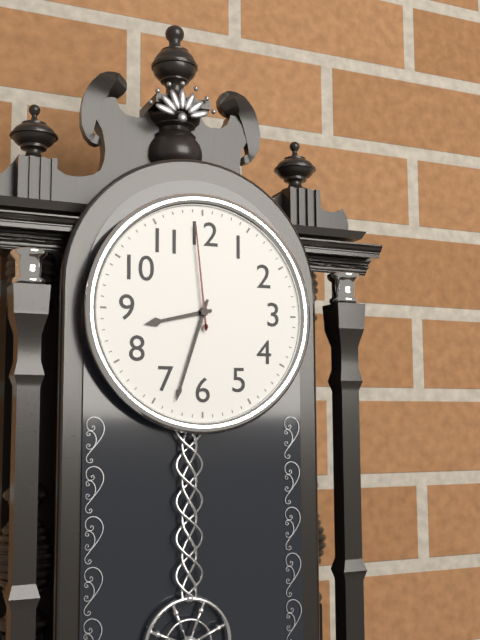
{"hour": 8, "minute": 33, "second": 59}
